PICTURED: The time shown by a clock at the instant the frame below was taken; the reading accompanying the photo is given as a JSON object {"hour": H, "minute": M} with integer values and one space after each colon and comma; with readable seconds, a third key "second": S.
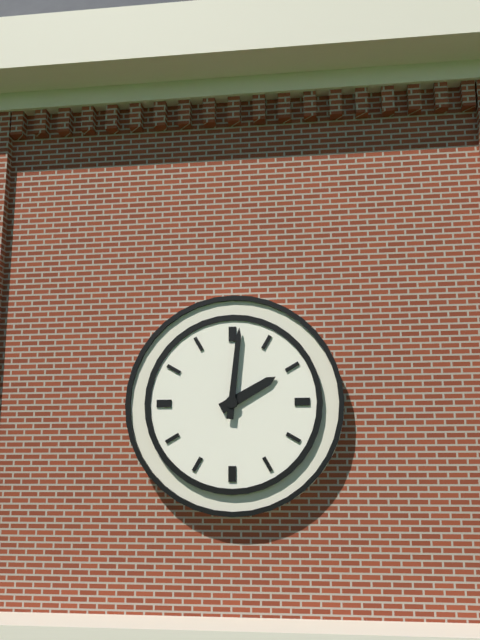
{"hour": 2, "minute": 1}
